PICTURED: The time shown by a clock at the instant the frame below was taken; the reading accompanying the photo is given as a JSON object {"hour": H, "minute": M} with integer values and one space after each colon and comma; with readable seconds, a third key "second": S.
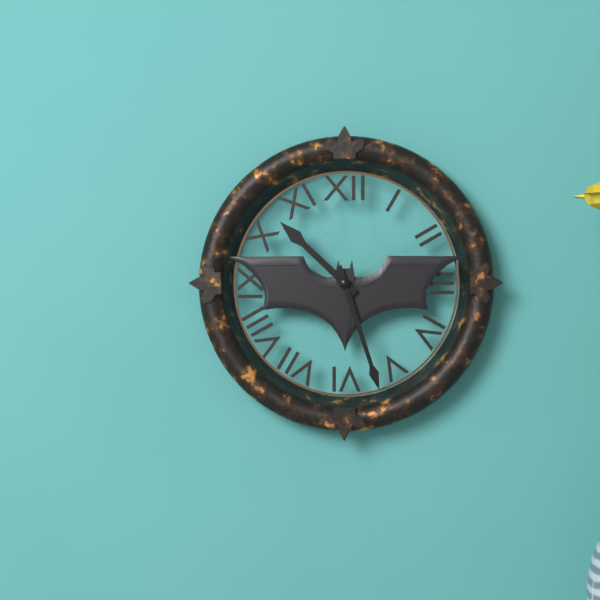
{"hour": 10, "minute": 27}
